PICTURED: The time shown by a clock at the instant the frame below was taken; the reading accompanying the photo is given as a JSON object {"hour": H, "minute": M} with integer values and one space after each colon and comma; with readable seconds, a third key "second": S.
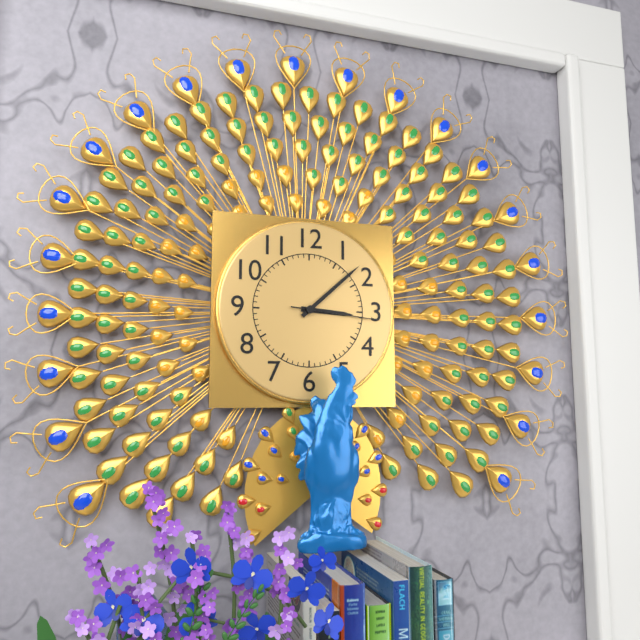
{"hour": 3, "minute": 8, "second": 16}
